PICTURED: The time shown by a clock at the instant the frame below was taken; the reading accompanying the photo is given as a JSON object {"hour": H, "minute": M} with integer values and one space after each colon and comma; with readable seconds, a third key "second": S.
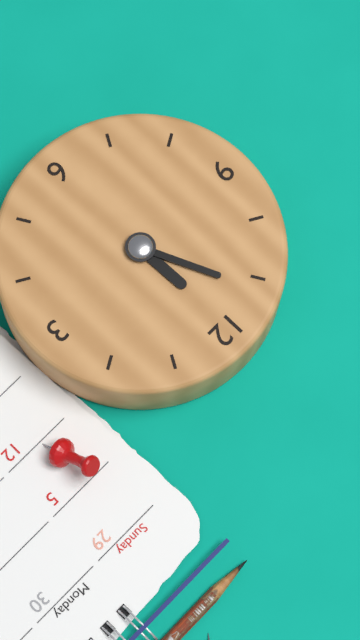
{"hour": 11, "minute": 56}
